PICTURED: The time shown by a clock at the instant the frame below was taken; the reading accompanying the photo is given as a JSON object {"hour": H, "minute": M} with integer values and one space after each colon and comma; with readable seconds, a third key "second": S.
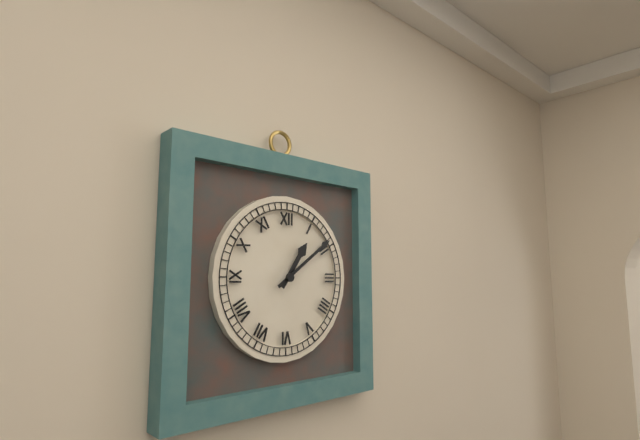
{"hour": 1, "minute": 9}
